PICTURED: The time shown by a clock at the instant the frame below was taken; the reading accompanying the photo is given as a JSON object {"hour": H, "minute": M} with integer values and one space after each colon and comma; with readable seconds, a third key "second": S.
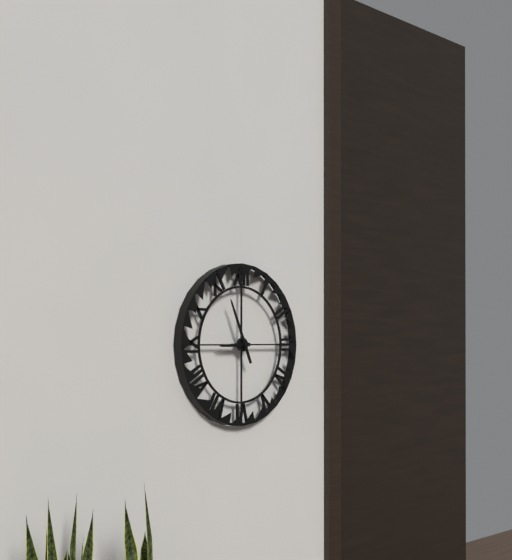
{"hour": 8, "minute": 56}
